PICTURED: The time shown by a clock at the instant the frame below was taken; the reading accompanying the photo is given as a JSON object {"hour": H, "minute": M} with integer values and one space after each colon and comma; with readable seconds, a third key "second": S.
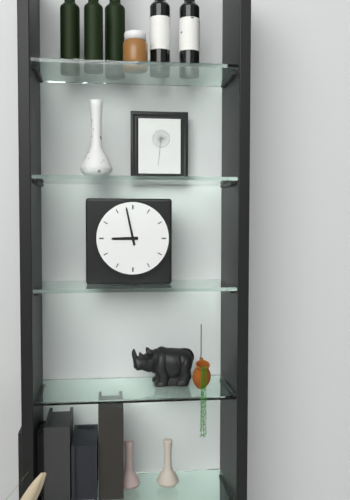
{"hour": 8, "minute": 58}
